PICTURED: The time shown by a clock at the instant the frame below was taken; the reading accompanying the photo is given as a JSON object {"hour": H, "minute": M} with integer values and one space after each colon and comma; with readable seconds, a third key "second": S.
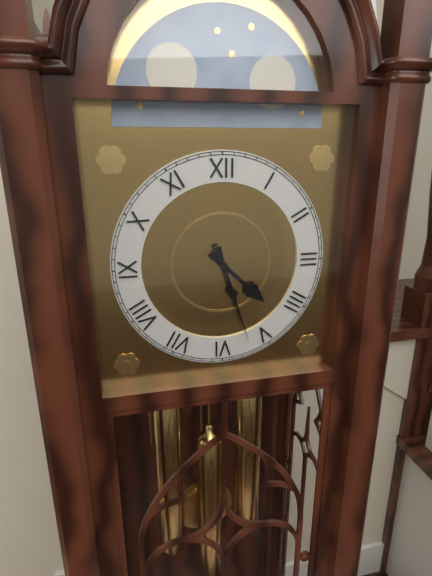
{"hour": 4, "minute": 27}
